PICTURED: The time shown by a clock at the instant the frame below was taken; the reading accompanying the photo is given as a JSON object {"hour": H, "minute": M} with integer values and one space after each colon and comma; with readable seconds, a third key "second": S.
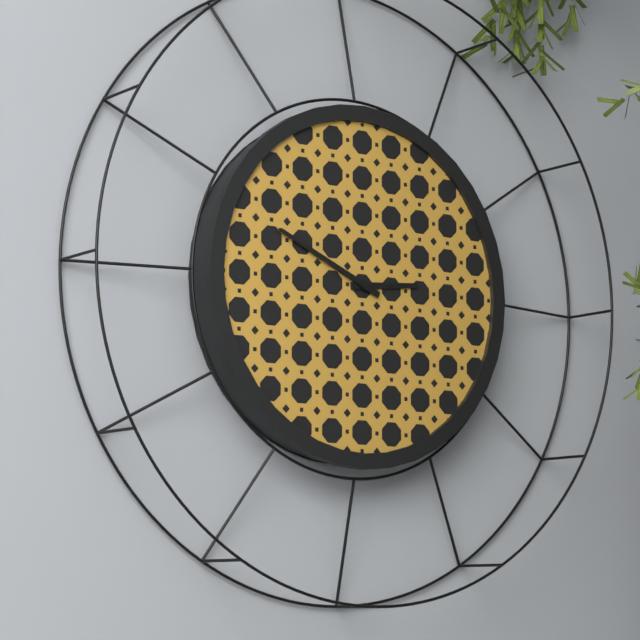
{"hour": 2, "minute": 49}
